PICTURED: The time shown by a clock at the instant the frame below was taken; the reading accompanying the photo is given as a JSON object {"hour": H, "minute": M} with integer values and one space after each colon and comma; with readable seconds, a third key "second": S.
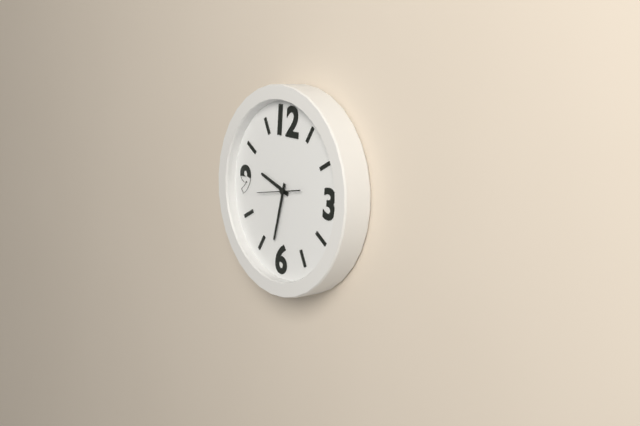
{"hour": 9, "minute": 32}
